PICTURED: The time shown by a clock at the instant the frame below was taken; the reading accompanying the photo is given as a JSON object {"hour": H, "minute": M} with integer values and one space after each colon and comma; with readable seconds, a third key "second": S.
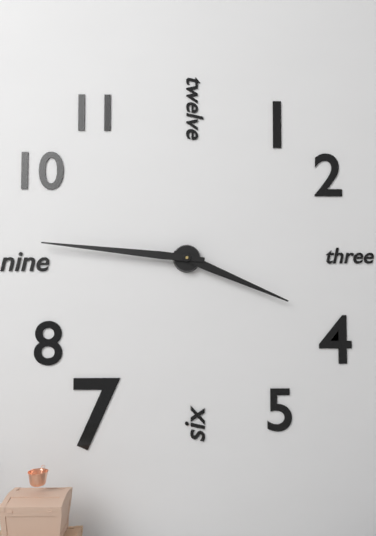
{"hour": 3, "minute": 46}
